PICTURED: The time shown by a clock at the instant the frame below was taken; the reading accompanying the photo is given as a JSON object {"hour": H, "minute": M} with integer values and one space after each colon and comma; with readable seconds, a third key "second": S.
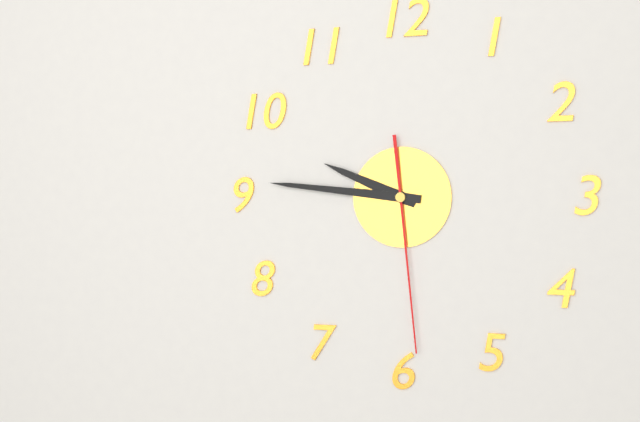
{"hour": 9, "minute": 46, "second": 29}
